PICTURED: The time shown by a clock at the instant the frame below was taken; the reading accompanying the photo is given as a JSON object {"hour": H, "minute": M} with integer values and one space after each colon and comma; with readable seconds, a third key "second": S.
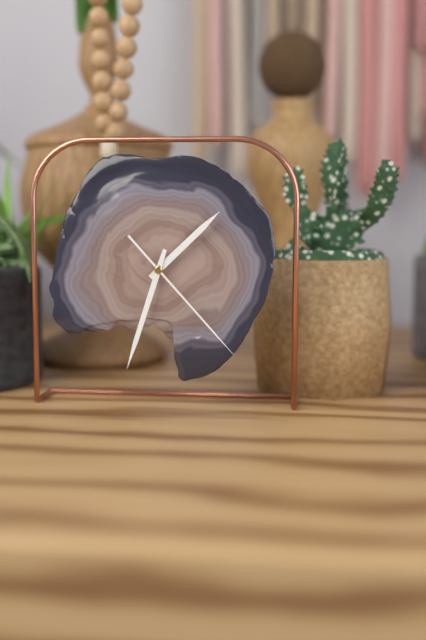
{"hour": 1, "minute": 33, "second": 23}
